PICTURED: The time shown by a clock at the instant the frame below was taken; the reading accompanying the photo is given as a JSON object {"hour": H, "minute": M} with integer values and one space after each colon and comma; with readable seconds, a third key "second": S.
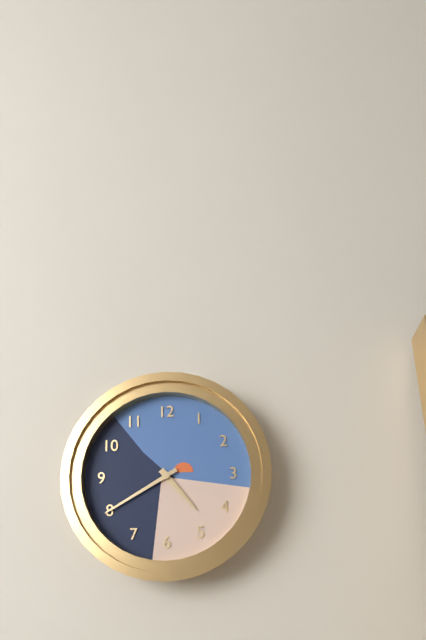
{"hour": 4, "minute": 40}
